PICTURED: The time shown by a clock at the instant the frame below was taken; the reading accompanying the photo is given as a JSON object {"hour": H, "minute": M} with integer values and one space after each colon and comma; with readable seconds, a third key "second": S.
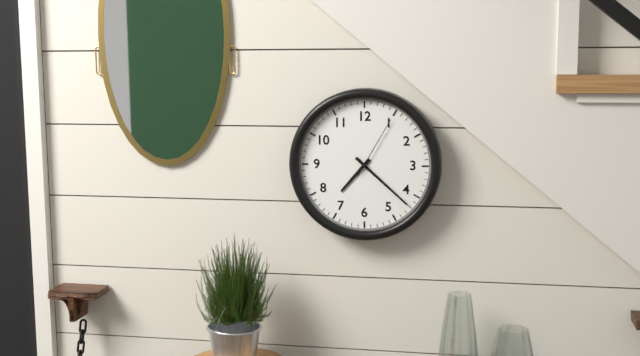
{"hour": 7, "minute": 22, "second": 5}
